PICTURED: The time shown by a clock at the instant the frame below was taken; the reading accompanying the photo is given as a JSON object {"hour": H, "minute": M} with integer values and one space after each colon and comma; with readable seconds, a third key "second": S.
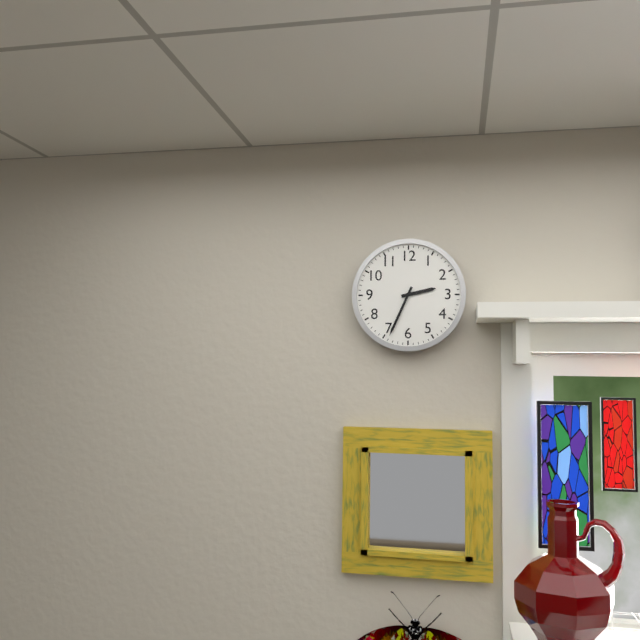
{"hour": 2, "minute": 34}
